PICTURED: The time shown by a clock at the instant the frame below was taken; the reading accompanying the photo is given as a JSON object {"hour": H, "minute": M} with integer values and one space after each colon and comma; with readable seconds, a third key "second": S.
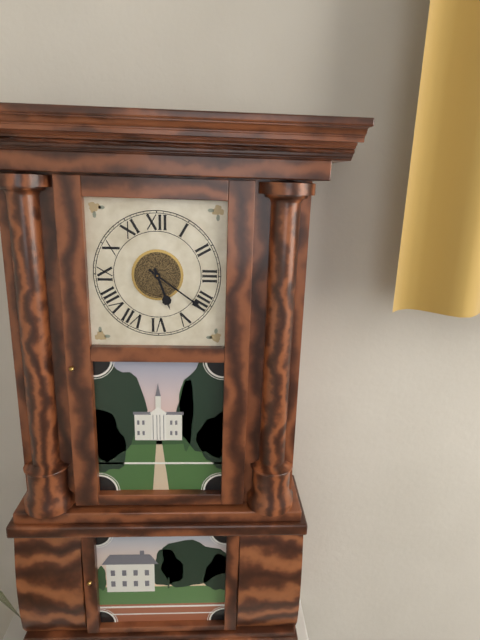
{"hour": 5, "minute": 21}
